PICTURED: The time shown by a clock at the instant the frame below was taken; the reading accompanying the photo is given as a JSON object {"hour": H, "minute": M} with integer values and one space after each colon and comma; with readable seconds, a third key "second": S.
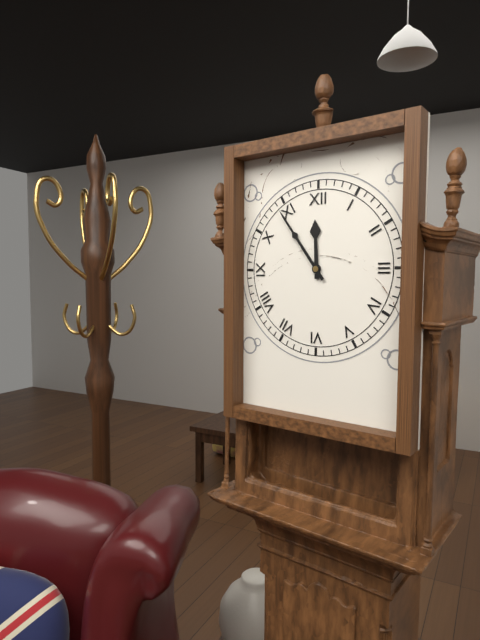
{"hour": 11, "minute": 54}
